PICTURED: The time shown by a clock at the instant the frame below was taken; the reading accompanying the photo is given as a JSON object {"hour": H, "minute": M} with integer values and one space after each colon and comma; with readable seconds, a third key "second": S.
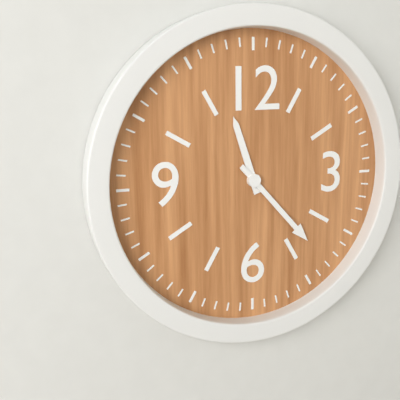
{"hour": 11, "minute": 23}
